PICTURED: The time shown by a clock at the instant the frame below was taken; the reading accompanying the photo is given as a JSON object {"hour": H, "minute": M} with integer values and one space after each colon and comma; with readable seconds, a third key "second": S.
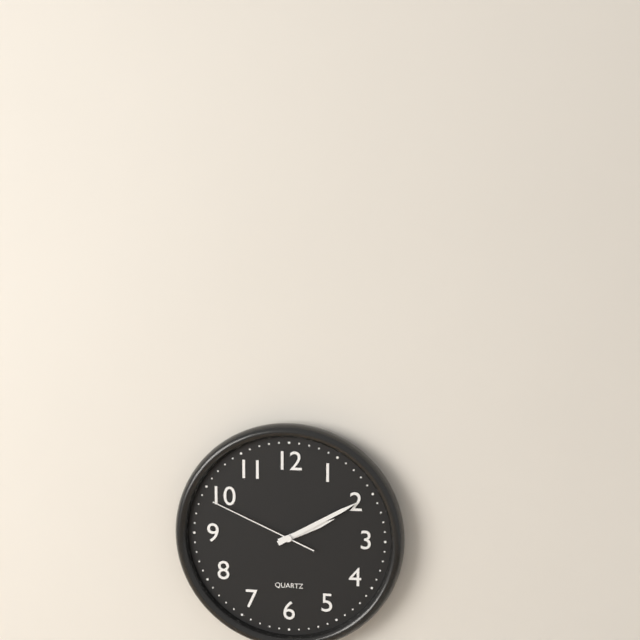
{"hour": 2, "minute": 10, "second": 49}
